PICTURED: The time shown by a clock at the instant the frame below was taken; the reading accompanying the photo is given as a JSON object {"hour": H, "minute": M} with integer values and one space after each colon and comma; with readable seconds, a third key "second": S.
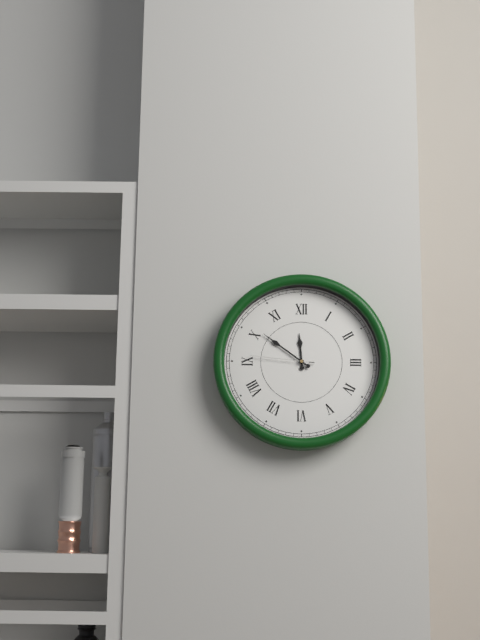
{"hour": 11, "minute": 51, "second": 46}
